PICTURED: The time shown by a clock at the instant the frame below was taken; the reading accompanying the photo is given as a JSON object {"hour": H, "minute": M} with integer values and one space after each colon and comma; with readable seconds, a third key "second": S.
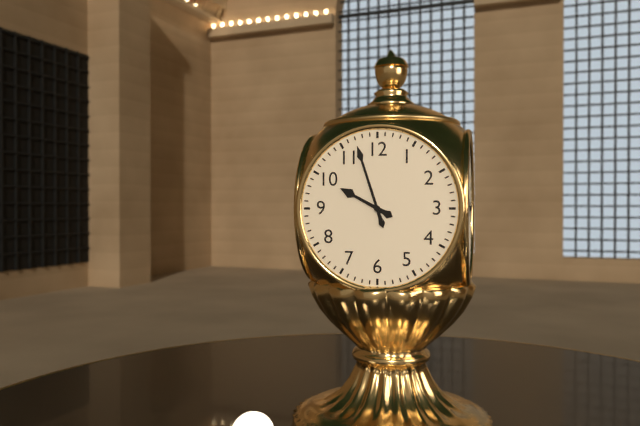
{"hour": 9, "minute": 57}
